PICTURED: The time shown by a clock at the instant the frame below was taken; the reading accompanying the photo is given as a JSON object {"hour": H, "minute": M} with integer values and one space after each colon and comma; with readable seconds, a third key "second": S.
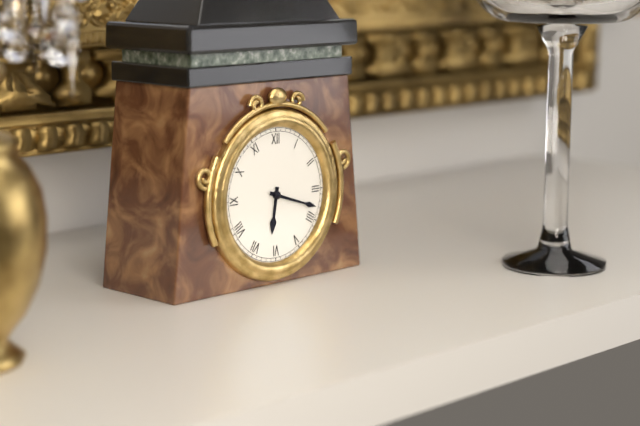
{"hour": 6, "minute": 18}
